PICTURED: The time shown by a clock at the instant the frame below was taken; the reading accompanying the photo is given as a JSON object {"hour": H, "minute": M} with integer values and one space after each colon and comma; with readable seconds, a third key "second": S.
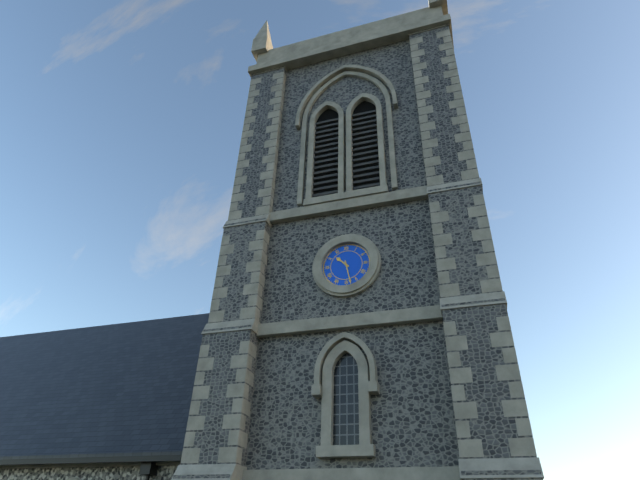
{"hour": 10, "minute": 28}
